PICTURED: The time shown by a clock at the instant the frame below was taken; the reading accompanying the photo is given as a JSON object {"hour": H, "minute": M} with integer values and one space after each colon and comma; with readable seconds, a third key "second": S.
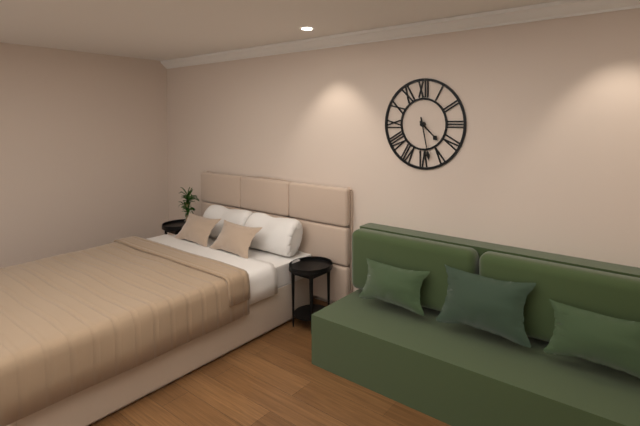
{"hour": 4, "minute": 28}
